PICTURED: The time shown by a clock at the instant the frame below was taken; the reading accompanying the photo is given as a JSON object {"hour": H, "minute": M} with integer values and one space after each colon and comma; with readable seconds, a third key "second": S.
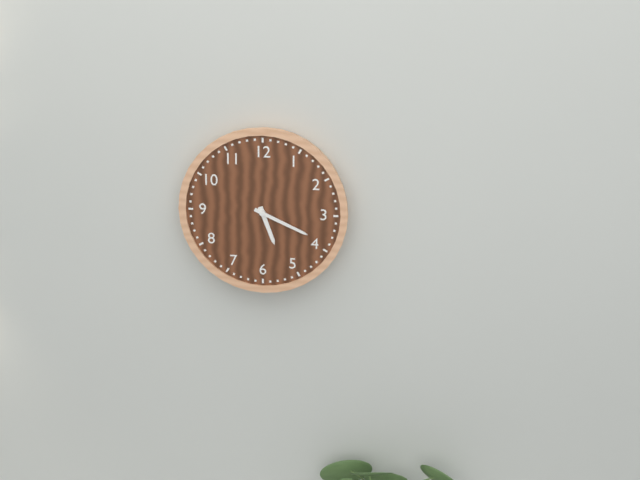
{"hour": 5, "minute": 19}
